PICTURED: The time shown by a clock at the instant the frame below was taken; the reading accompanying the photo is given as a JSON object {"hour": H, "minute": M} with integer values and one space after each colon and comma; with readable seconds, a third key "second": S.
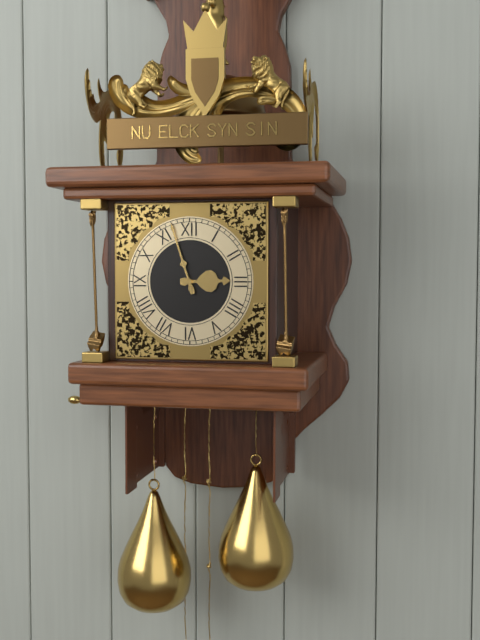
{"hour": 2, "minute": 57}
